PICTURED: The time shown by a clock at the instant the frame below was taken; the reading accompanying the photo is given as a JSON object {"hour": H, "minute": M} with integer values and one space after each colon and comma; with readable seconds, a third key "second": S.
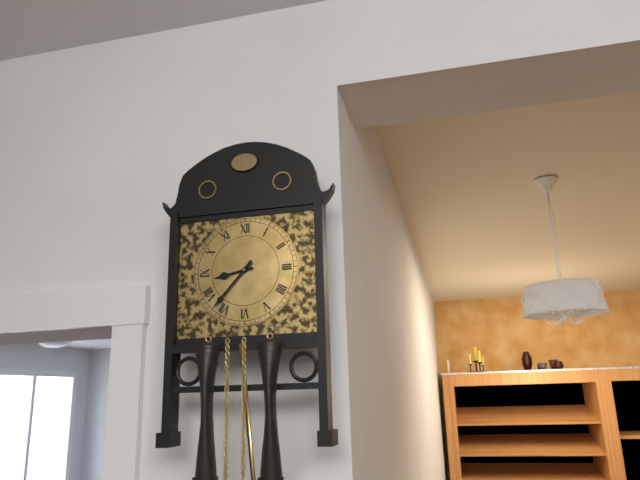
{"hour": 8, "minute": 37}
